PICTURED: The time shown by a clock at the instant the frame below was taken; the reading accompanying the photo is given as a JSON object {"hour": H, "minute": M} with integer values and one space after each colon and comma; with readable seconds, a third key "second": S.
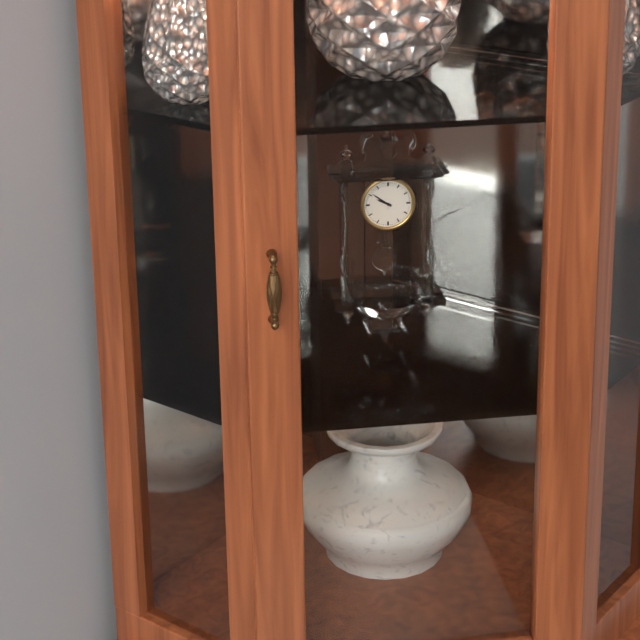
{"hour": 9, "minute": 51}
